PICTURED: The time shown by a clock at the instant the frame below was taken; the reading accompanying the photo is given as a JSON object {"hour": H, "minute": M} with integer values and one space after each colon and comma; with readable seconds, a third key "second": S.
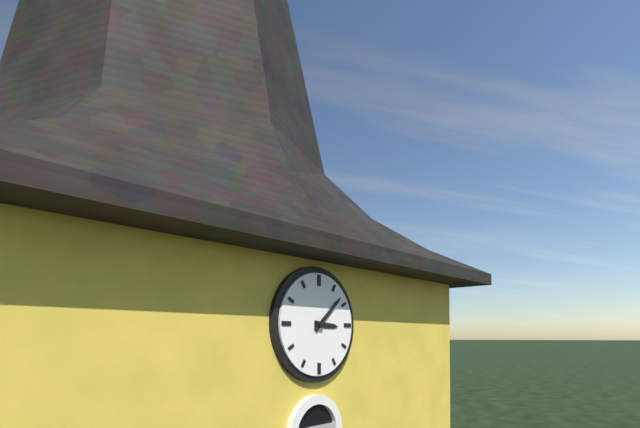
{"hour": 3, "minute": 8}
